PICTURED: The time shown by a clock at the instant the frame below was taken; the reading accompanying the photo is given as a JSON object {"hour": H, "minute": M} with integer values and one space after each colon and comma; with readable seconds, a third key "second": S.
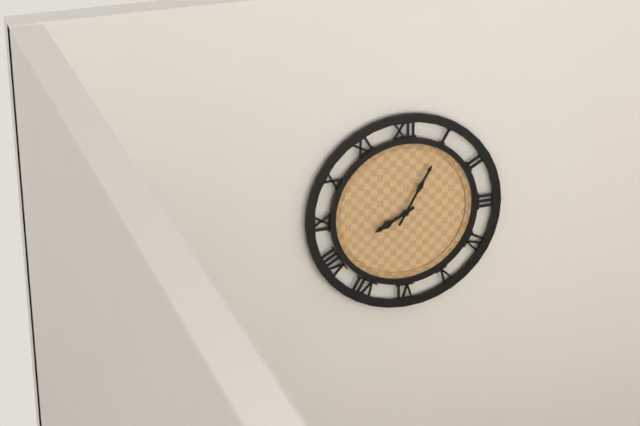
{"hour": 8, "minute": 5}
